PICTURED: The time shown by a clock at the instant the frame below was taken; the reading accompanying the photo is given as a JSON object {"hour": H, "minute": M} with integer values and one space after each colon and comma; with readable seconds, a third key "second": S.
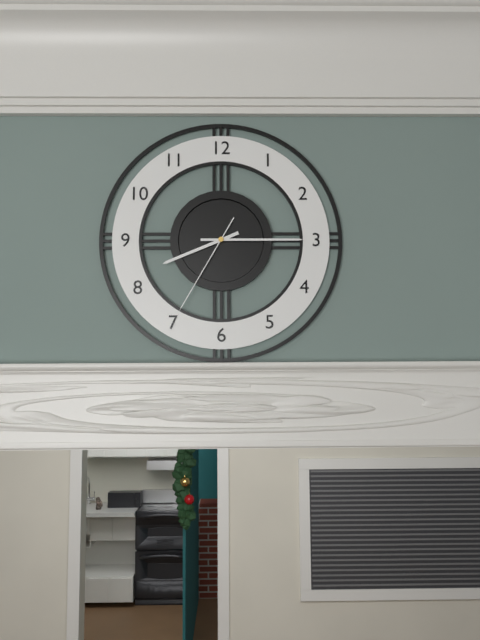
{"hour": 8, "minute": 15, "second": 35}
